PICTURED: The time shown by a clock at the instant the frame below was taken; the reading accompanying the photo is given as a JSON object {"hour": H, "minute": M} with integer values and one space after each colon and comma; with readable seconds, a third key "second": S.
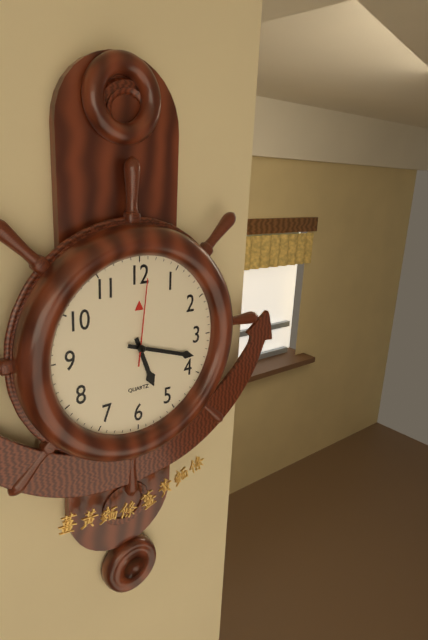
{"hour": 5, "minute": 18, "second": 1}
